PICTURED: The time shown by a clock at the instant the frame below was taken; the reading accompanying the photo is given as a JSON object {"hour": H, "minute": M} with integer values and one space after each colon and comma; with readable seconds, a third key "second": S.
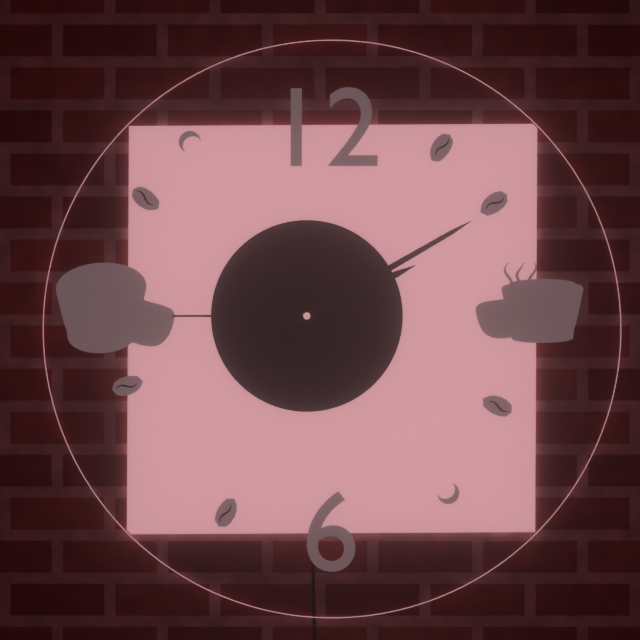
{"hour": 2, "minute": 10, "second": 45}
